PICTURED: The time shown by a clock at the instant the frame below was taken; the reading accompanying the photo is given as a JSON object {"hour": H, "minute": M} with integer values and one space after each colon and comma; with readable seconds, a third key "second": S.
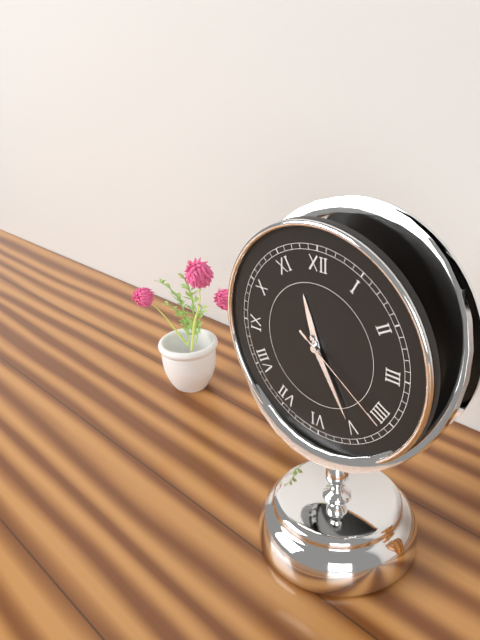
{"hour": 11, "minute": 25, "second": 21}
